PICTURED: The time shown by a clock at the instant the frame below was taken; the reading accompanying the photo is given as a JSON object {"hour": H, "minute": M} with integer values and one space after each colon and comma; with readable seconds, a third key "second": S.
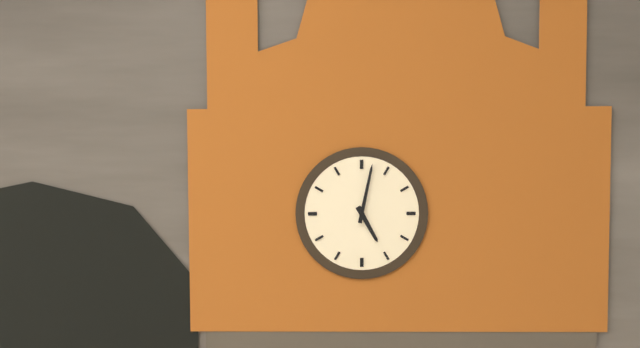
{"hour": 5, "minute": 2}
